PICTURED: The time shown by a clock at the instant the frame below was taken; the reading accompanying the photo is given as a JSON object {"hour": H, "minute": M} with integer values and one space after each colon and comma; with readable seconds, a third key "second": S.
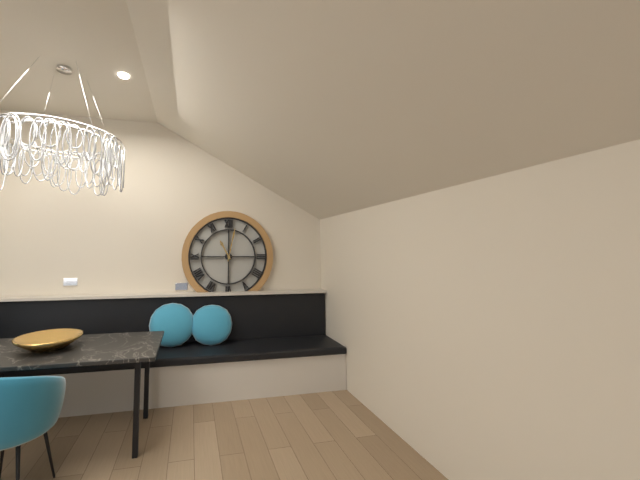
{"hour": 11, "minute": 2}
